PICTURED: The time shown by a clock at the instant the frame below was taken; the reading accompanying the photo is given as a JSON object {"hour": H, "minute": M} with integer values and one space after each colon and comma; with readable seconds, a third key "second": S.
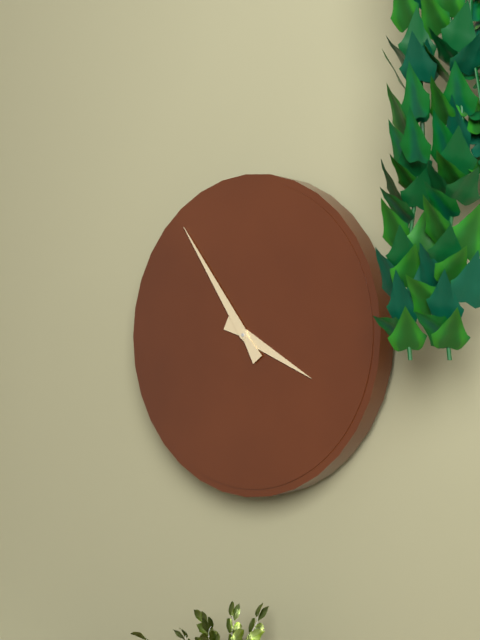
{"hour": 3, "minute": 54}
